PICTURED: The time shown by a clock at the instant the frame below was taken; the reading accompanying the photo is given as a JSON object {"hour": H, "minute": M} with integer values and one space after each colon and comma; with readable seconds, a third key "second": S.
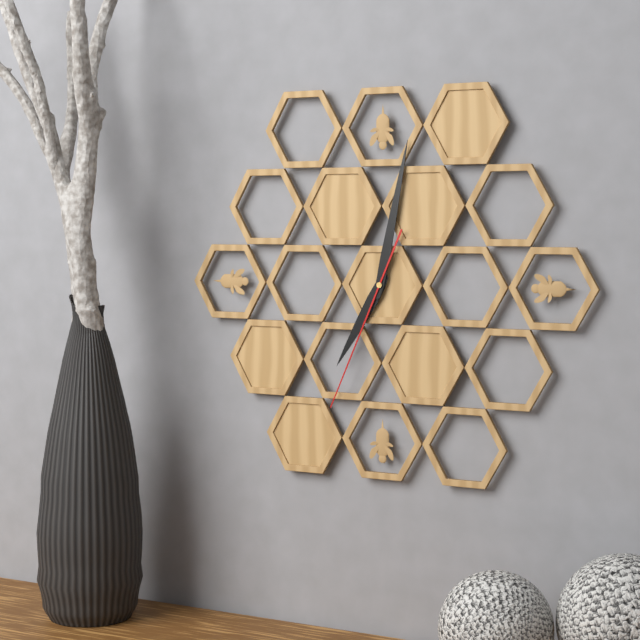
{"hour": 7, "minute": 2, "second": 34}
